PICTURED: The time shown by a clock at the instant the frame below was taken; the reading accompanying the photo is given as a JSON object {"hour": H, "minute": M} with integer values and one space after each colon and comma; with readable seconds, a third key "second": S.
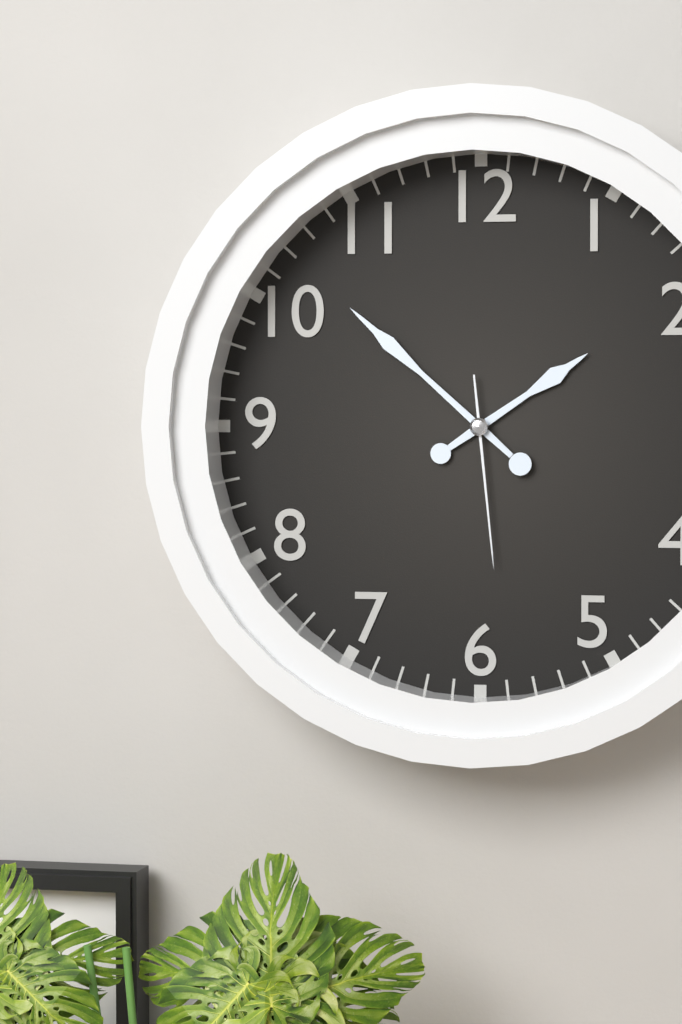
{"hour": 1, "minute": 52, "second": 29}
